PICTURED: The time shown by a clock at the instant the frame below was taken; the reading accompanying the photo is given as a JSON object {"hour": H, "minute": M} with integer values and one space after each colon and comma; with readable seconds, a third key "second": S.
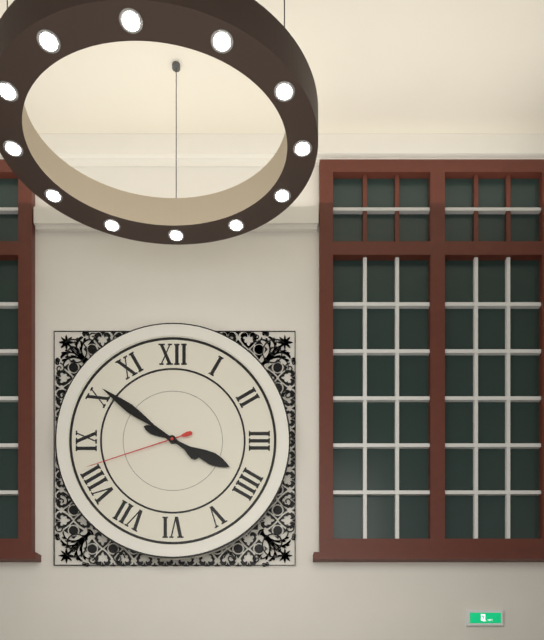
{"hour": 3, "minute": 51, "second": 42}
